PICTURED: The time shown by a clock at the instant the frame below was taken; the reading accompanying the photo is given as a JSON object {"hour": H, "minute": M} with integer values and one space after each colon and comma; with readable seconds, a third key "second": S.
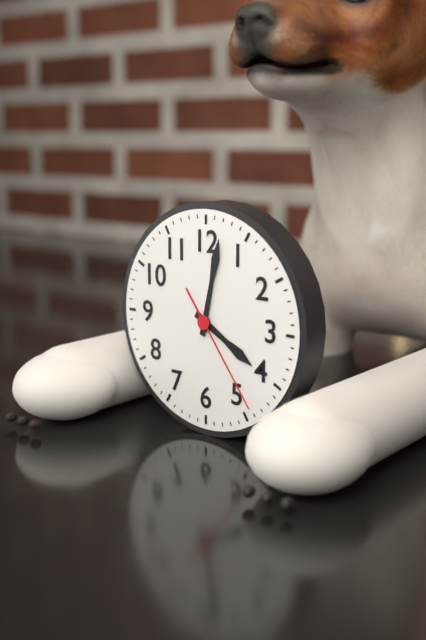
{"hour": 4, "minute": 2, "second": 24}
